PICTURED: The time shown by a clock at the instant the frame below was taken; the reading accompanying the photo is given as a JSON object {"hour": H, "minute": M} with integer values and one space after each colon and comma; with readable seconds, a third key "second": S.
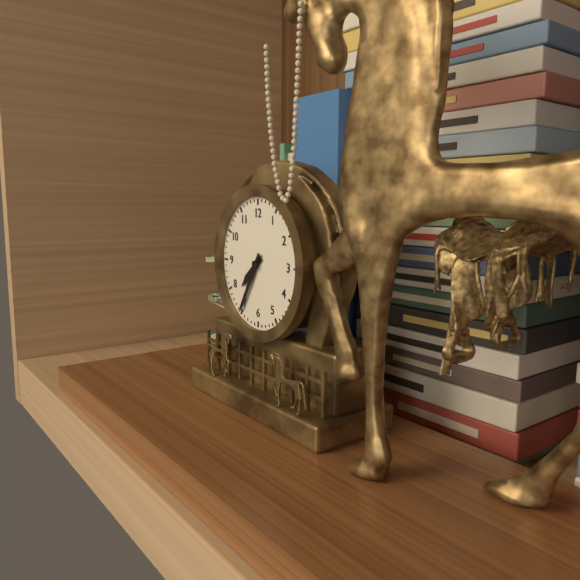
{"hour": 7, "minute": 35}
